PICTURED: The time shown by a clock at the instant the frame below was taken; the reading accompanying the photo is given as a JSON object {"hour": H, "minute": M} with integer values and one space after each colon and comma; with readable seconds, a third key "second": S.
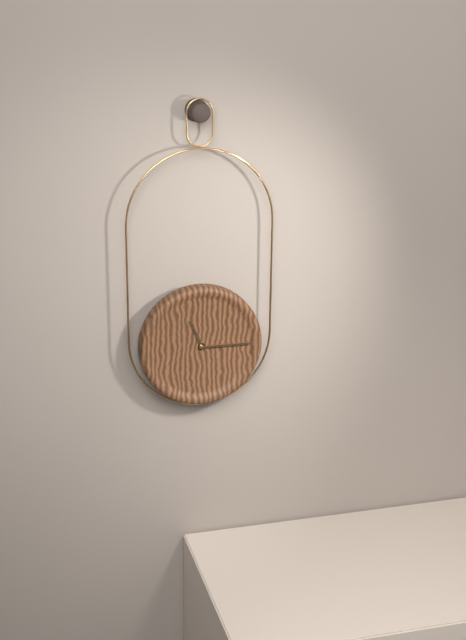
{"hour": 11, "minute": 15}
